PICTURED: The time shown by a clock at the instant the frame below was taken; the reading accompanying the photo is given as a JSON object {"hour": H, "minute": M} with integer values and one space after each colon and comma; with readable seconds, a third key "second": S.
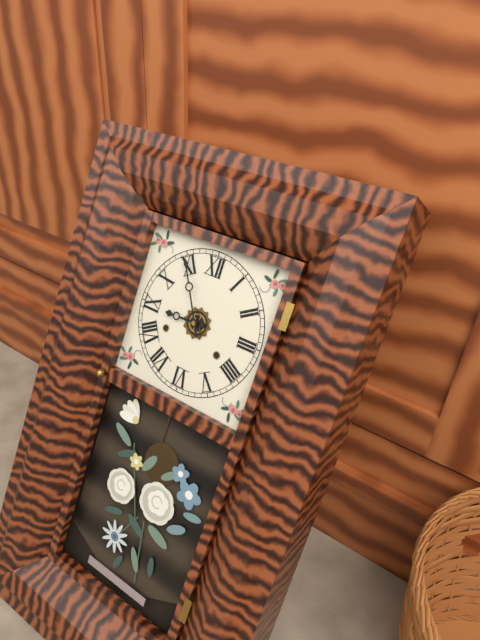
{"hour": 8, "minute": 55}
